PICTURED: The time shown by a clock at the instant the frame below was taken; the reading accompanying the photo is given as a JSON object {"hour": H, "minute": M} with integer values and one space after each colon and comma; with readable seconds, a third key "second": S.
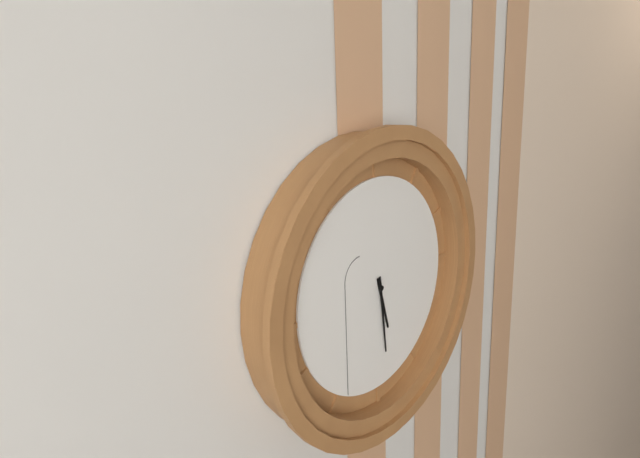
{"hour": 5, "minute": 29}
